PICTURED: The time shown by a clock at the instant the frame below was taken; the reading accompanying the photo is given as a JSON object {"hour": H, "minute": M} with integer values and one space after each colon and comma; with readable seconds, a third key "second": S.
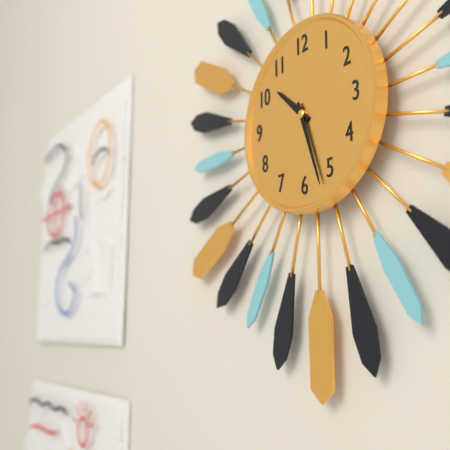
{"hour": 10, "minute": 27}
